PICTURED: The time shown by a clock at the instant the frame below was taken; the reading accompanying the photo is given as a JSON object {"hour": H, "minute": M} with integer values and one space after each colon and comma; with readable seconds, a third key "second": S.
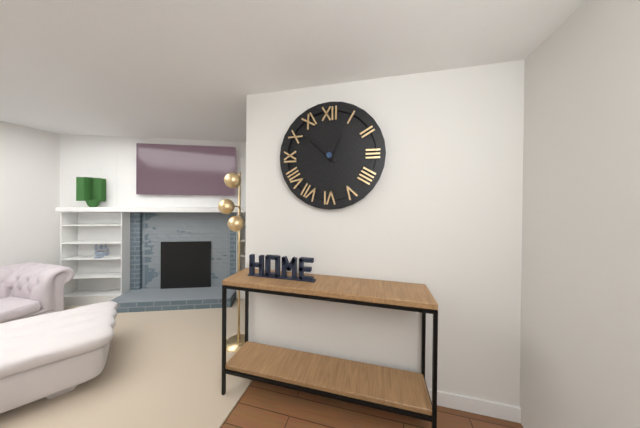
{"hour": 12, "minute": 52}
